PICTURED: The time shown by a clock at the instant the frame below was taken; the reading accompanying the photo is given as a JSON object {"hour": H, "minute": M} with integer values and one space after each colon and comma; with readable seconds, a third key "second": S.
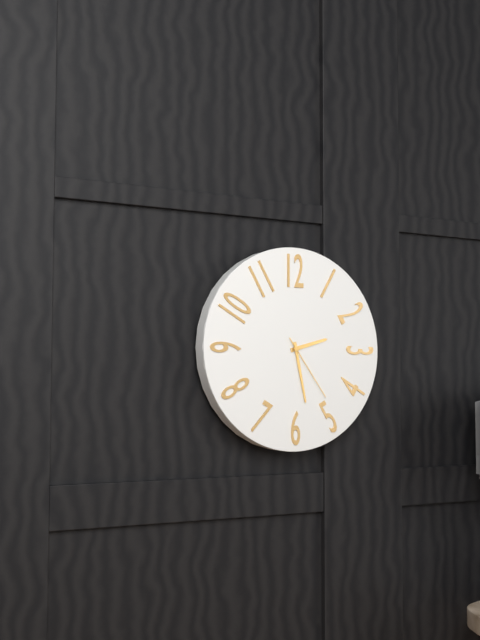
{"hour": 2, "minute": 28, "second": 24}
